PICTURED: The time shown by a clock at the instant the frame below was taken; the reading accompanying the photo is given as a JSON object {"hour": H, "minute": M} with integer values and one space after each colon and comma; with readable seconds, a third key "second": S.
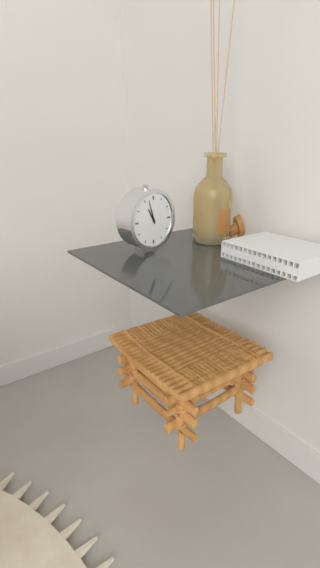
{"hour": 10, "minute": 57}
